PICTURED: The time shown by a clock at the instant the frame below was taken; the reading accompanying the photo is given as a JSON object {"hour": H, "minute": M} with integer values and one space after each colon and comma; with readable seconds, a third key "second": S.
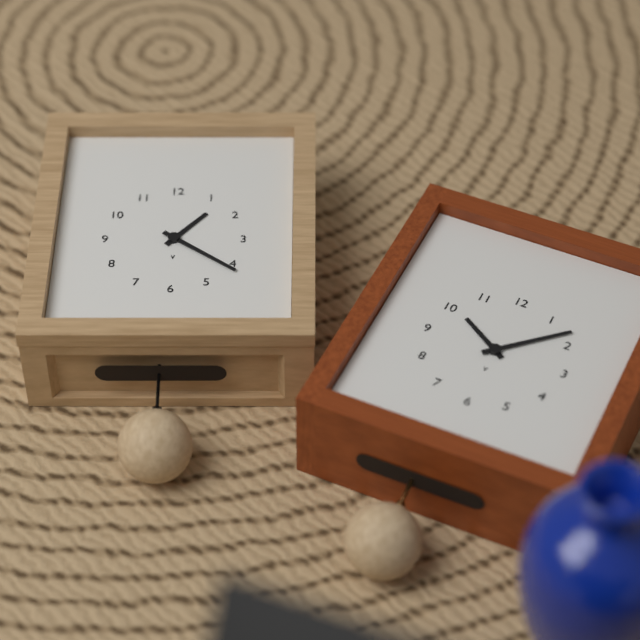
{"hour": 1, "minute": 21}
